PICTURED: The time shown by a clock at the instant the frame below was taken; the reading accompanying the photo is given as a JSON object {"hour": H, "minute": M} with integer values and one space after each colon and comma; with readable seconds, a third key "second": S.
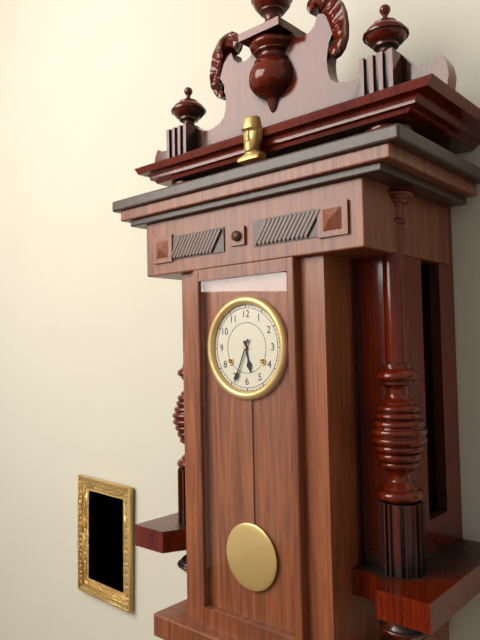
{"hour": 5, "minute": 34}
